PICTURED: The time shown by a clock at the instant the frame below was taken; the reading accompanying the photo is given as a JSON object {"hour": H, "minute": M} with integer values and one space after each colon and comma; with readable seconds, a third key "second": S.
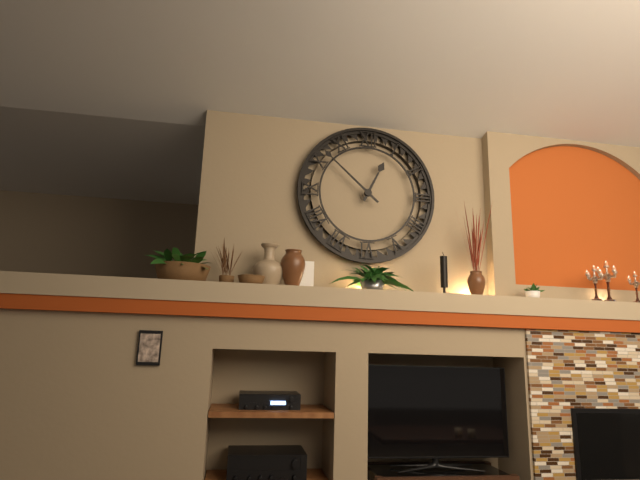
{"hour": 12, "minute": 52}
